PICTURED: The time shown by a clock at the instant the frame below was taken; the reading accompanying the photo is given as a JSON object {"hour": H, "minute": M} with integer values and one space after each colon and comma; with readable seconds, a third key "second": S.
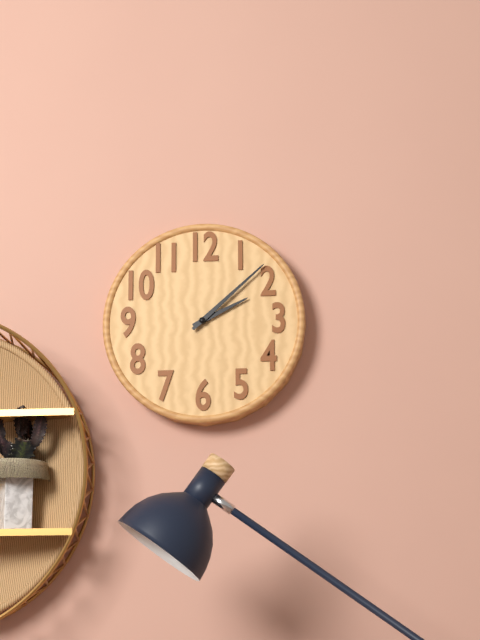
{"hour": 2, "minute": 8}
